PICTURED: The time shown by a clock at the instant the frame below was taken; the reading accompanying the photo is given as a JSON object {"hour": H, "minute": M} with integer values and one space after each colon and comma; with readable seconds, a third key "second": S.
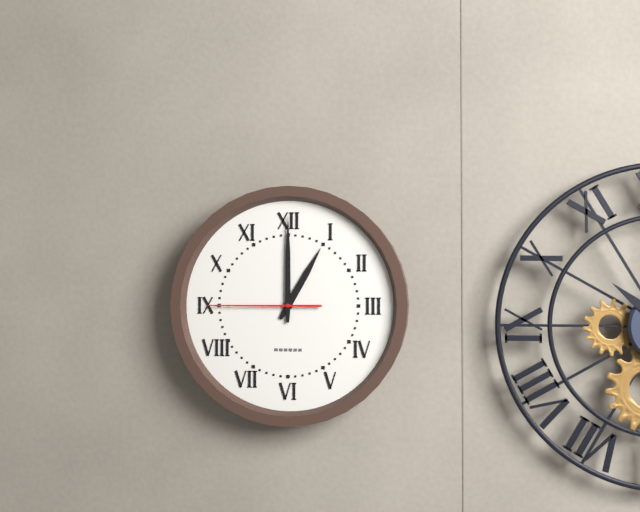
{"hour": 1, "minute": 0, "second": 45}
